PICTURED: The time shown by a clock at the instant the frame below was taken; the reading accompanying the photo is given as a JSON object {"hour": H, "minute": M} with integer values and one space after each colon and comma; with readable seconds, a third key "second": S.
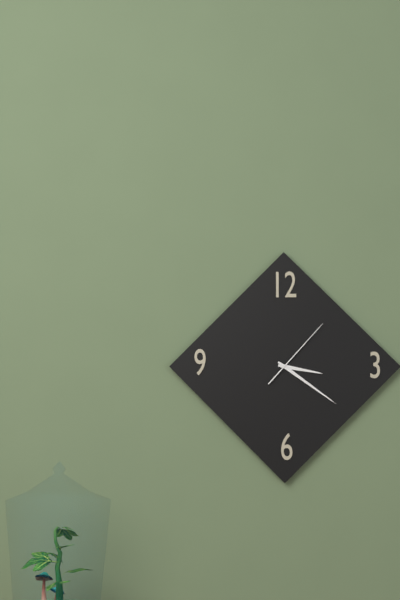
{"hour": 3, "minute": 21, "second": 7}
